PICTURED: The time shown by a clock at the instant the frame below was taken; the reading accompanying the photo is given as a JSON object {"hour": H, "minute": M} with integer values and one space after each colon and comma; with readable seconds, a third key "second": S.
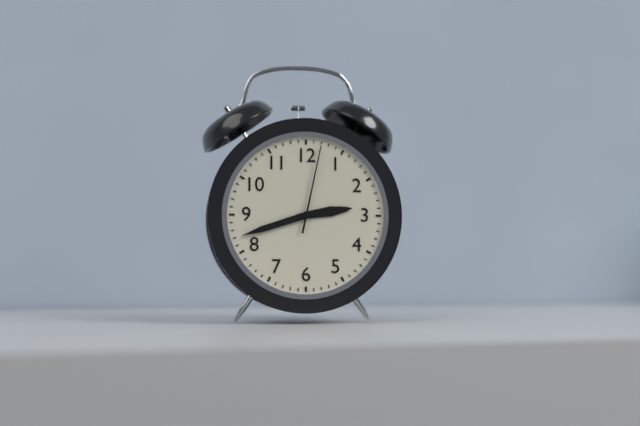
{"hour": 2, "minute": 42, "second": 2}
